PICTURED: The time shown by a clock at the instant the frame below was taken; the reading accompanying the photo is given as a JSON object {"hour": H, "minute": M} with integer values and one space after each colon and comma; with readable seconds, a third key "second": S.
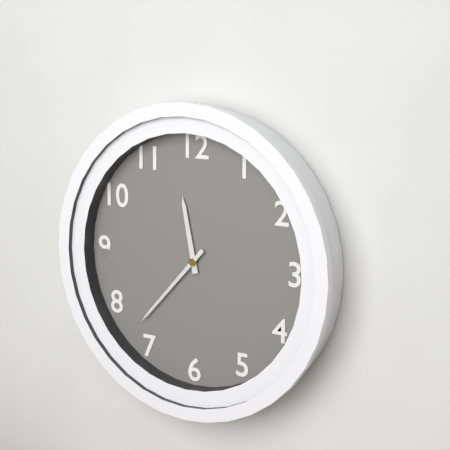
{"hour": 11, "minute": 37}
